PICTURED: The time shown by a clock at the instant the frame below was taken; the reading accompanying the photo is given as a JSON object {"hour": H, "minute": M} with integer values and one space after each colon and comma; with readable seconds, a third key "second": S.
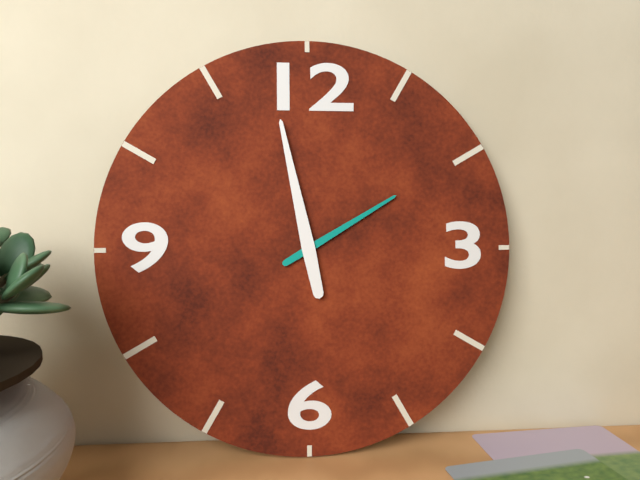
{"hour": 1, "minute": 58}
